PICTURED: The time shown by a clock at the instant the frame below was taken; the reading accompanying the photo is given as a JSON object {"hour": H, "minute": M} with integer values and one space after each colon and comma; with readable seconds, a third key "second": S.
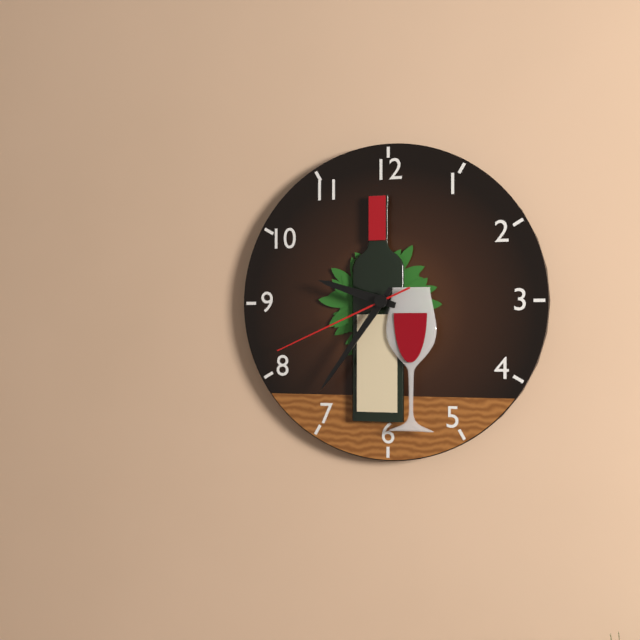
{"hour": 9, "minute": 36, "second": 41}
